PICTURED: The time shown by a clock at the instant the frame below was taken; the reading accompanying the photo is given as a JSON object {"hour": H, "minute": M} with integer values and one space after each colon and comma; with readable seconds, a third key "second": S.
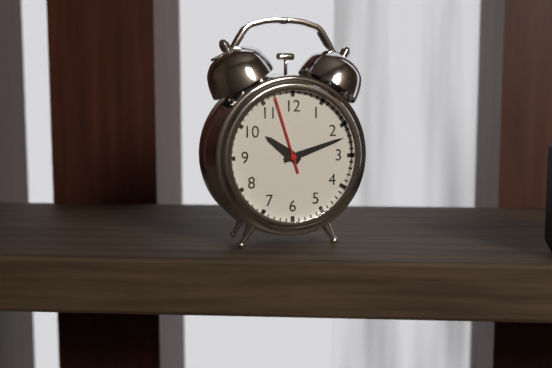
{"hour": 10, "minute": 12, "second": 57}
